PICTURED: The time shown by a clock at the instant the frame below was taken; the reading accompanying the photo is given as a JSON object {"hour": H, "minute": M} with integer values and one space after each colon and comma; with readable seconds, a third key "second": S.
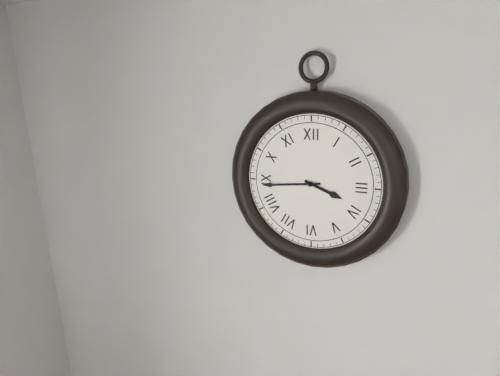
{"hour": 3, "minute": 44}
